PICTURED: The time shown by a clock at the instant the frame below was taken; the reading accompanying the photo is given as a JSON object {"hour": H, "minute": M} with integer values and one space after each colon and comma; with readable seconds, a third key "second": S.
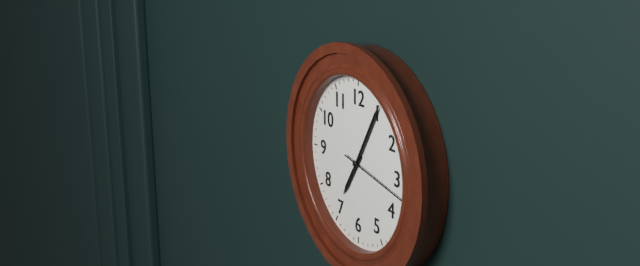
{"hour": 7, "minute": 5, "second": 17}
